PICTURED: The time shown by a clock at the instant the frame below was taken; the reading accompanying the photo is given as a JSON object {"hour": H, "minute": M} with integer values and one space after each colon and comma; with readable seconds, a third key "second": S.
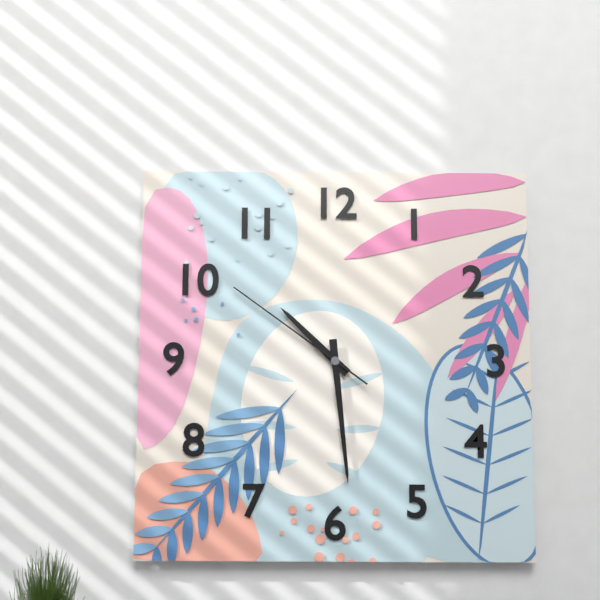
{"hour": 10, "minute": 29, "second": 51}
